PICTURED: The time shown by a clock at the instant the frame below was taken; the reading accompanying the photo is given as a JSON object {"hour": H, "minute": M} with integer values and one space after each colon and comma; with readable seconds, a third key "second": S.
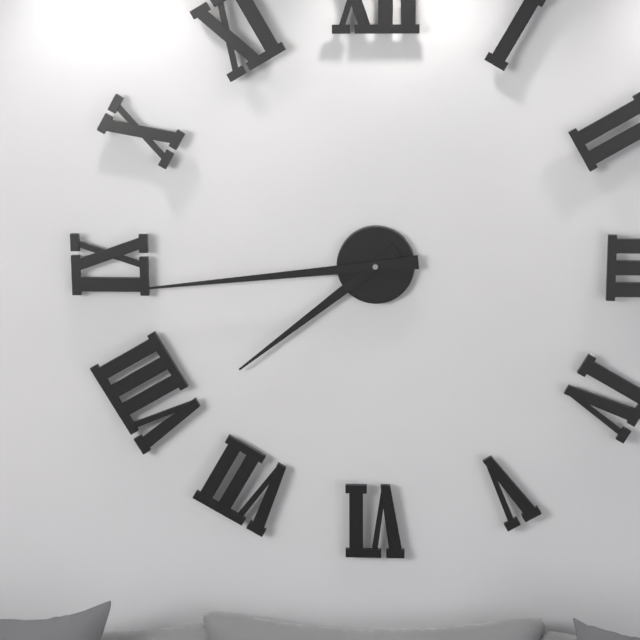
{"hour": 7, "minute": 44}
